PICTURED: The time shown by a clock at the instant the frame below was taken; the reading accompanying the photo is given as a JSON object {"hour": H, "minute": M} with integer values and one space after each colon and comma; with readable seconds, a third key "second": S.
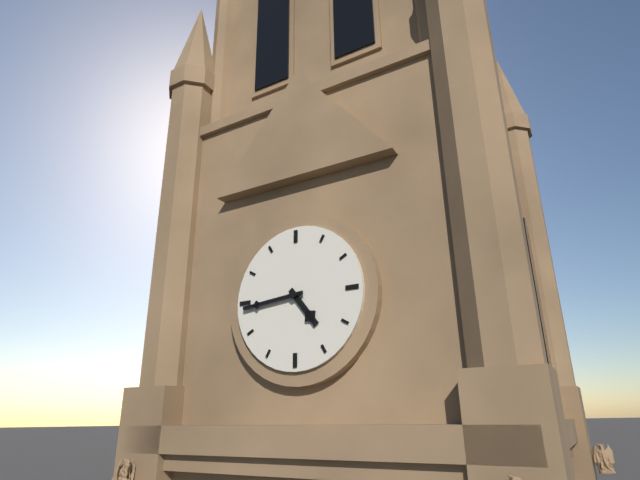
{"hour": 4, "minute": 44}
